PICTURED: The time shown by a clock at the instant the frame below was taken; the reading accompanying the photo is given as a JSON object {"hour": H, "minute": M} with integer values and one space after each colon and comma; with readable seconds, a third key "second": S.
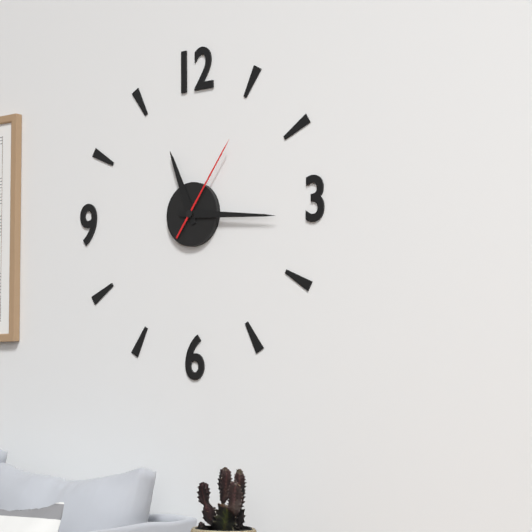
{"hour": 11, "minute": 16, "second": 6}
